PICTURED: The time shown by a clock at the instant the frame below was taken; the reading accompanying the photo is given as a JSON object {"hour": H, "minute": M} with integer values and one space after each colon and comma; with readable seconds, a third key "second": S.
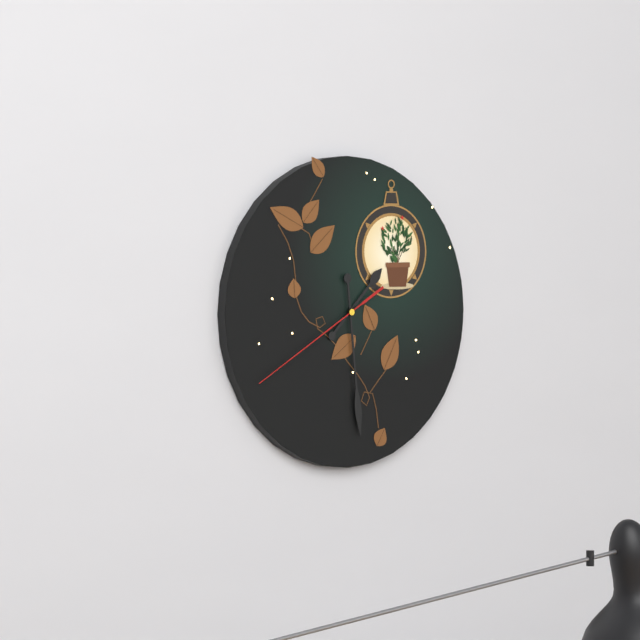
{"hour": 1, "minute": 29, "second": 40}
